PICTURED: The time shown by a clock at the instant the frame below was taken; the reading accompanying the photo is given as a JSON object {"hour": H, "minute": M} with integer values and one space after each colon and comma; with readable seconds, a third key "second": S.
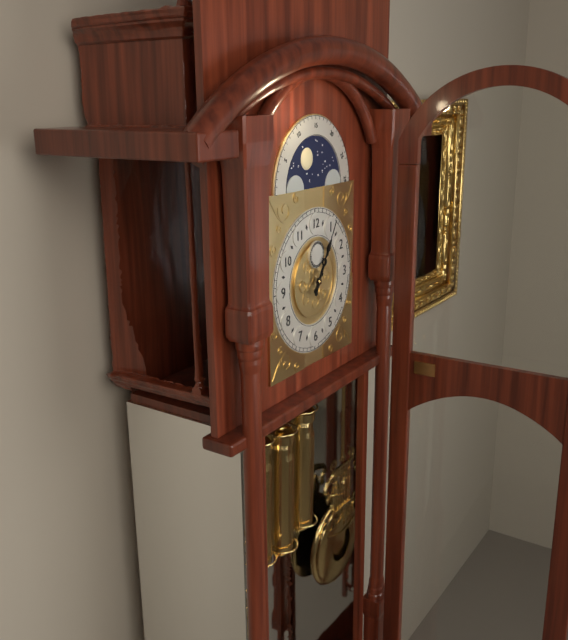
{"hour": 1, "minute": 5}
